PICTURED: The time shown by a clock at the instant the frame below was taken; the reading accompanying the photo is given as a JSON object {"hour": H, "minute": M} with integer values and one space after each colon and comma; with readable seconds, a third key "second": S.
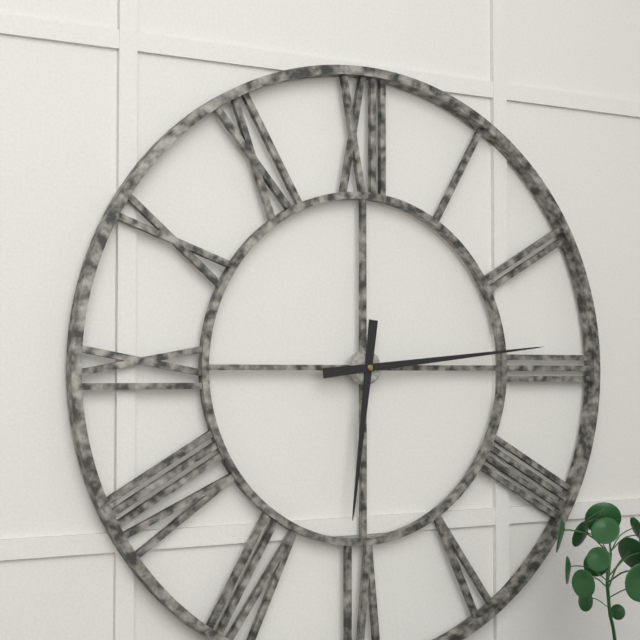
{"hour": 6, "minute": 14}
